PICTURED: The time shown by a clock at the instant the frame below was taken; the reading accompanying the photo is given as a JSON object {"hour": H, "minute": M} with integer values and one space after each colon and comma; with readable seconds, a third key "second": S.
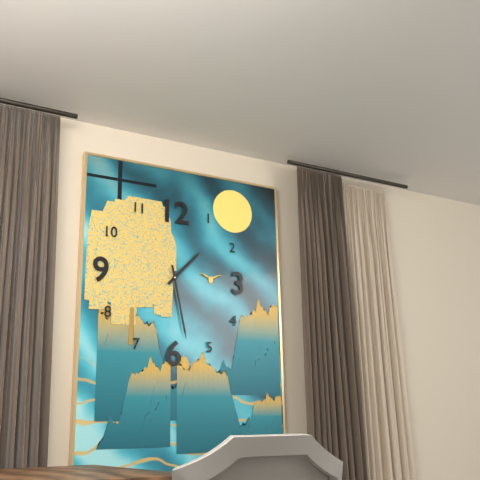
{"hour": 1, "minute": 28}
